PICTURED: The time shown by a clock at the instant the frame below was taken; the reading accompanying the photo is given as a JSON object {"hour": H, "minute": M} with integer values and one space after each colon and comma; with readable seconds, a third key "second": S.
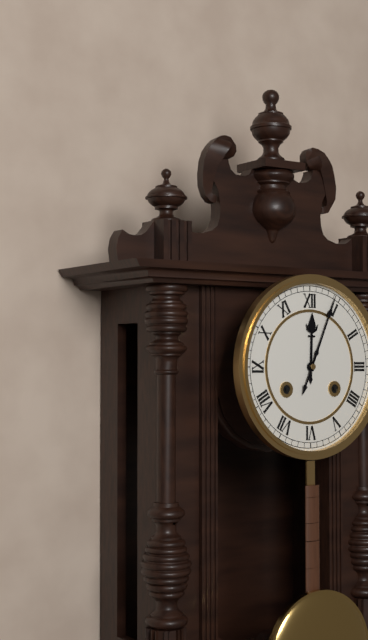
{"hour": 12, "minute": 4}
